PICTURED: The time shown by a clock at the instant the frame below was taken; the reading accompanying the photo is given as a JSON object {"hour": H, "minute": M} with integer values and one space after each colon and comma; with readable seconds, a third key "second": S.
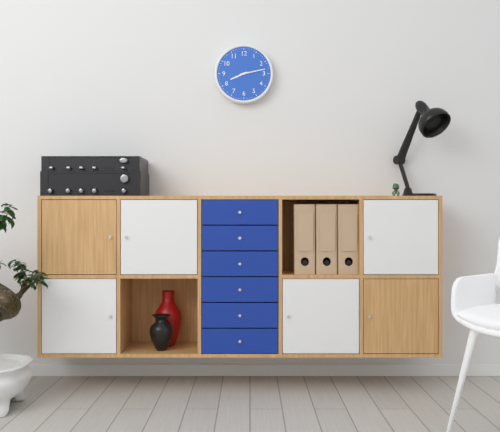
{"hour": 8, "minute": 13}
